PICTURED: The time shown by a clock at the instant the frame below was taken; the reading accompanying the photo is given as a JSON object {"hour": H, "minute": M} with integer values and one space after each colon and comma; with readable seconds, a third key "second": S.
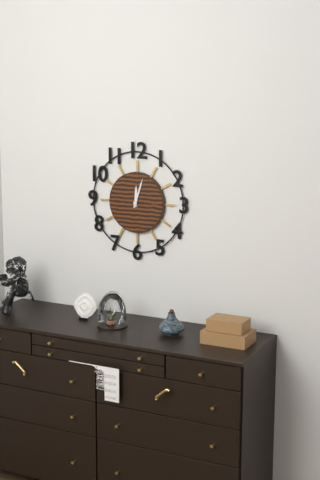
{"hour": 12, "minute": 3}
